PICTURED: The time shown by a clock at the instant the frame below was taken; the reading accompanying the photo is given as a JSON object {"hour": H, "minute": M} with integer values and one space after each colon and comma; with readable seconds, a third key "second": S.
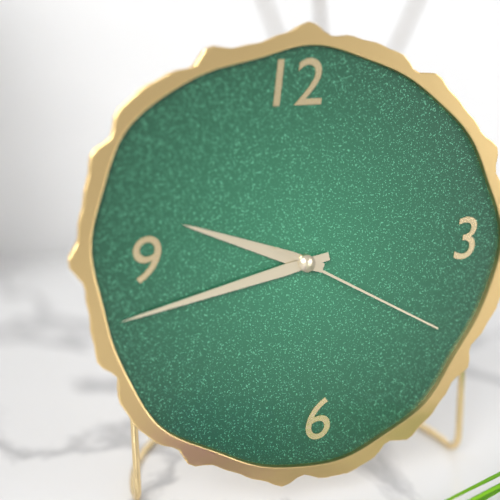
{"hour": 9, "minute": 43, "second": 20}
